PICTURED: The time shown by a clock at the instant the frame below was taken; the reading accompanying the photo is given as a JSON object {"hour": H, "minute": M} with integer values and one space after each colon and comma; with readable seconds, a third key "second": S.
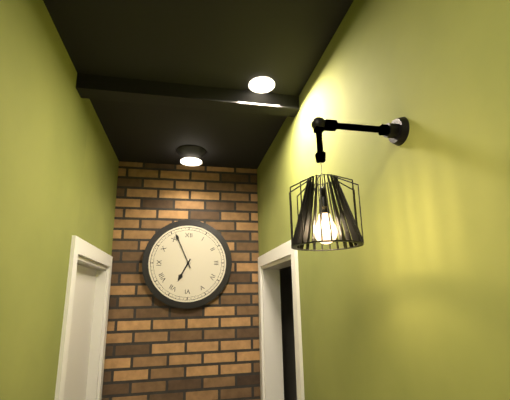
{"hour": 6, "minute": 56}
